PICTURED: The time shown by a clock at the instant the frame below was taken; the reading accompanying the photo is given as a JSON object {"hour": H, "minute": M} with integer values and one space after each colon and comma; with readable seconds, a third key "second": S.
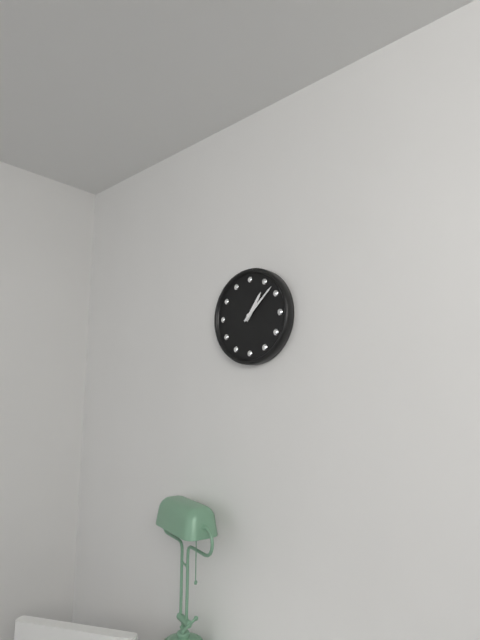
{"hour": 1, "minute": 8}
